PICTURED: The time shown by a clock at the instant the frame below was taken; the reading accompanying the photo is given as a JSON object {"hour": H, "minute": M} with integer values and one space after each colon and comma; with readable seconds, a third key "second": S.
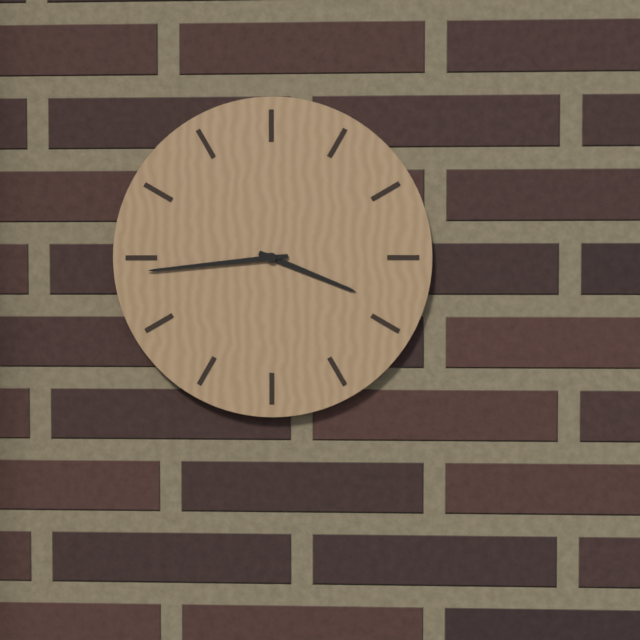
{"hour": 3, "minute": 44}
